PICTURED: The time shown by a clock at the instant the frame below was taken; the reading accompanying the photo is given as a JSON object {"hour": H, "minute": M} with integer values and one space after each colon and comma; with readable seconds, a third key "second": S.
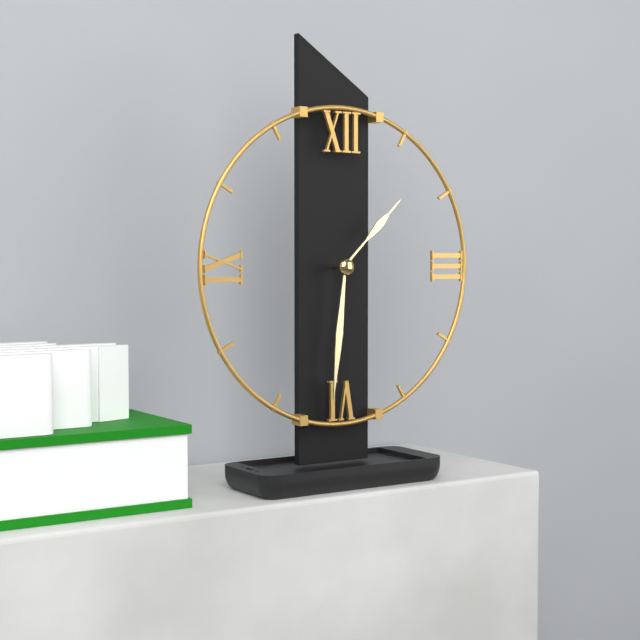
{"hour": 1, "minute": 31}
